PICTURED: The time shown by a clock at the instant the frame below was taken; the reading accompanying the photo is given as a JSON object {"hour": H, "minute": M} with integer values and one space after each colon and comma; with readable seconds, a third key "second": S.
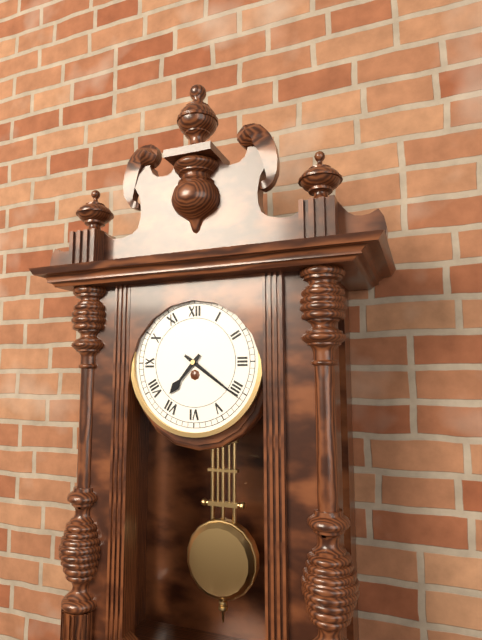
{"hour": 7, "minute": 21}
